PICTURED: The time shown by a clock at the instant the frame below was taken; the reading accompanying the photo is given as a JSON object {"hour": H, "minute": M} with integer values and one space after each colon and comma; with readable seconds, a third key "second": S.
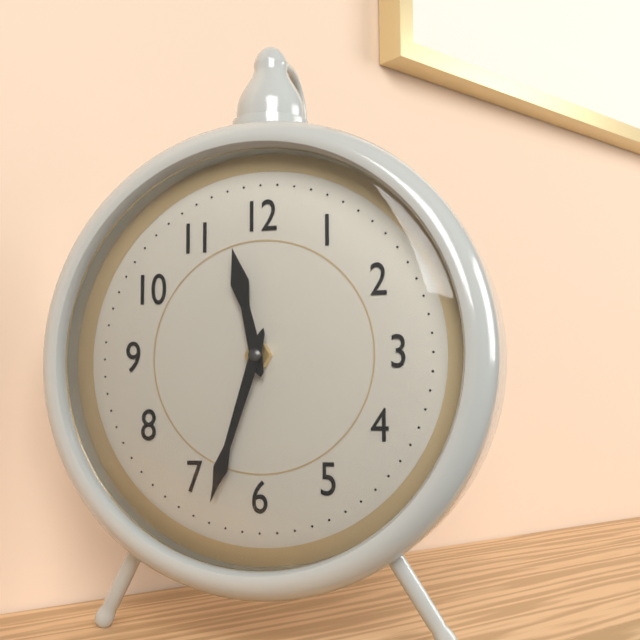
{"hour": 11, "minute": 33}
